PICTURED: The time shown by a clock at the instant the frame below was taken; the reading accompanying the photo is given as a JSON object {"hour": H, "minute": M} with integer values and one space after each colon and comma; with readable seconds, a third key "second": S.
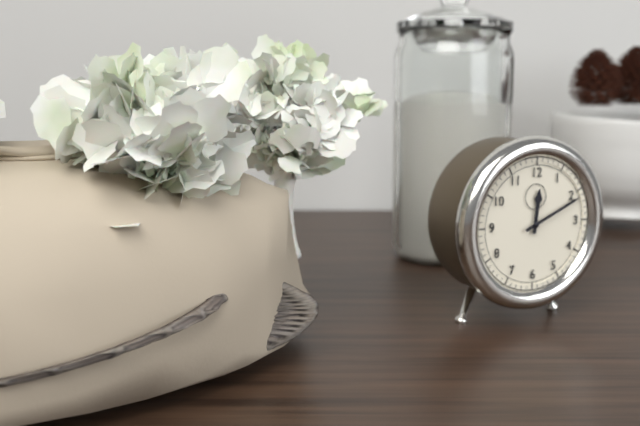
{"hour": 12, "minute": 11}
